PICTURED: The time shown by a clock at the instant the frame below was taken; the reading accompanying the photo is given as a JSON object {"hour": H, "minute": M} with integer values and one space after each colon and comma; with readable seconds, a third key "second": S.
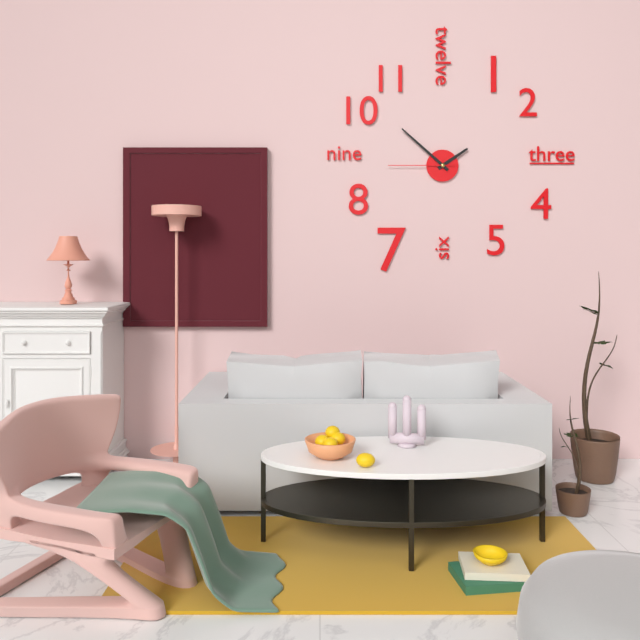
{"hour": 1, "minute": 52, "second": 45}
